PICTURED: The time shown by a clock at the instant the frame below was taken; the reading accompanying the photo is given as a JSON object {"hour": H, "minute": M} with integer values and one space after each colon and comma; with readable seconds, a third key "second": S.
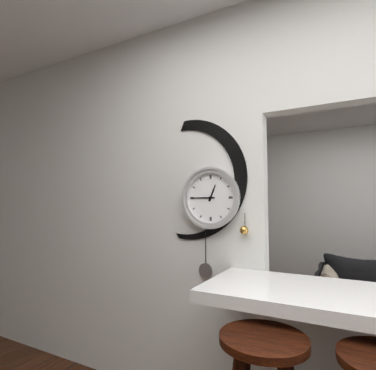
{"hour": 12, "minute": 45}
